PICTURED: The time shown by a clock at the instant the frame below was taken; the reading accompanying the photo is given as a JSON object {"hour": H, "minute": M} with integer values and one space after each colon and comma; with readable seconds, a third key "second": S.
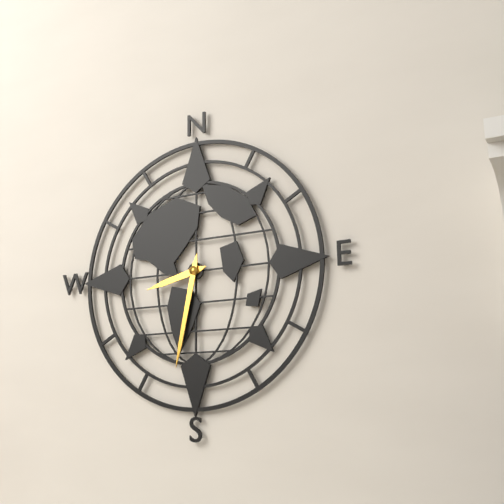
{"hour": 8, "minute": 32}
